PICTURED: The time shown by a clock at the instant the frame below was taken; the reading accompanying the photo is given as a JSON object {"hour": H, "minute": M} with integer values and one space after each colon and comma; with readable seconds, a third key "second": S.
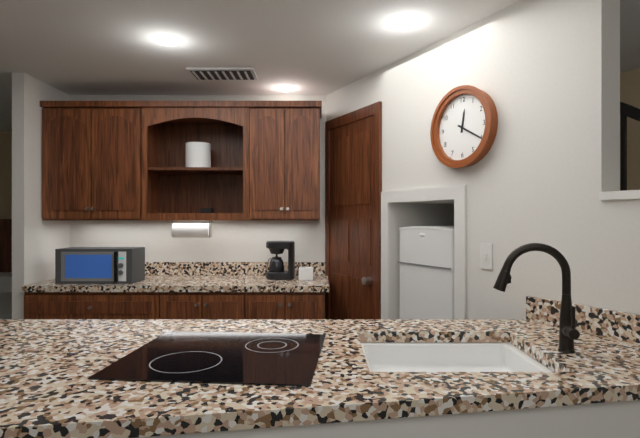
{"hour": 12, "minute": 20}
